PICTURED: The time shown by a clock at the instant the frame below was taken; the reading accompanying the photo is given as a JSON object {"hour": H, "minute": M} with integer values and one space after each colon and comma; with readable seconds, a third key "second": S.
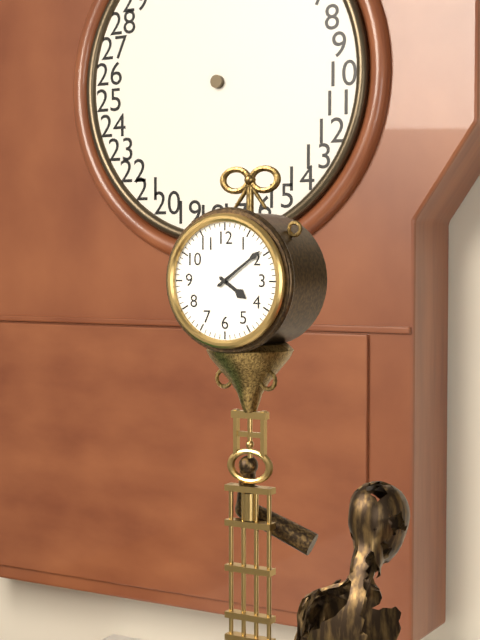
{"hour": 4, "minute": 9}
